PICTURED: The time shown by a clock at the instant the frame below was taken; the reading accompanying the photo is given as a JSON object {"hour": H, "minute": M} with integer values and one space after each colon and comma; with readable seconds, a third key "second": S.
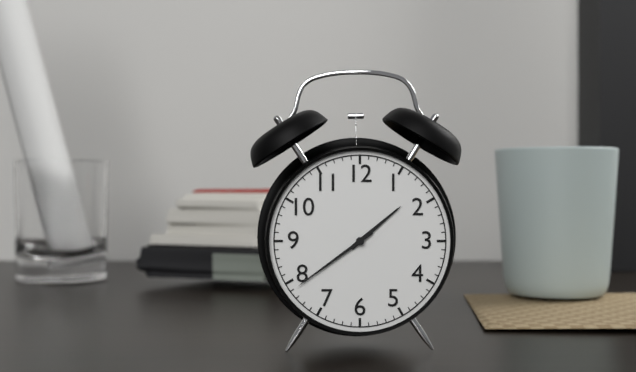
{"hour": 1, "minute": 39}
